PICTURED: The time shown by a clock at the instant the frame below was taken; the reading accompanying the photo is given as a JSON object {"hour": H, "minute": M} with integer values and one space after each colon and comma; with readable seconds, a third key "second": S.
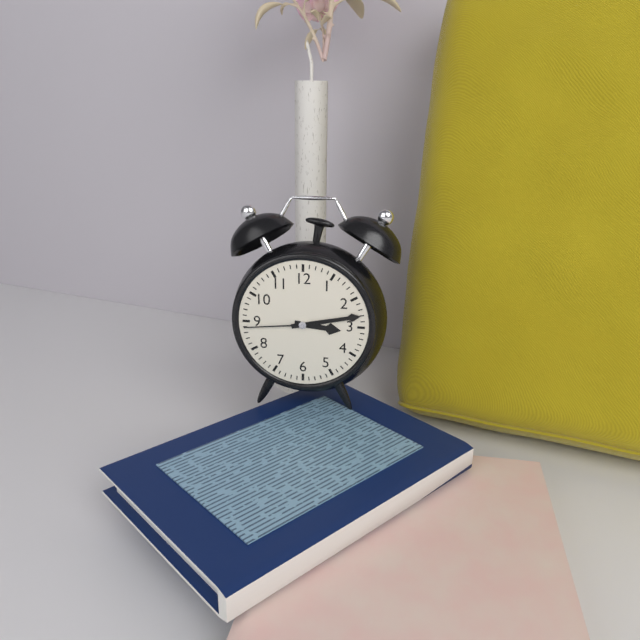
{"hour": 3, "minute": 13, "second": 44}
